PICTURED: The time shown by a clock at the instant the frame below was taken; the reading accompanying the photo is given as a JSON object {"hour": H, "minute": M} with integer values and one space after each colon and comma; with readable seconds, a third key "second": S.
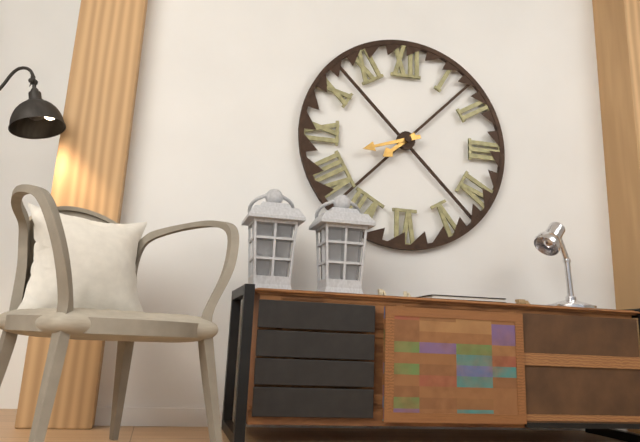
{"hour": 7, "minute": 42}
